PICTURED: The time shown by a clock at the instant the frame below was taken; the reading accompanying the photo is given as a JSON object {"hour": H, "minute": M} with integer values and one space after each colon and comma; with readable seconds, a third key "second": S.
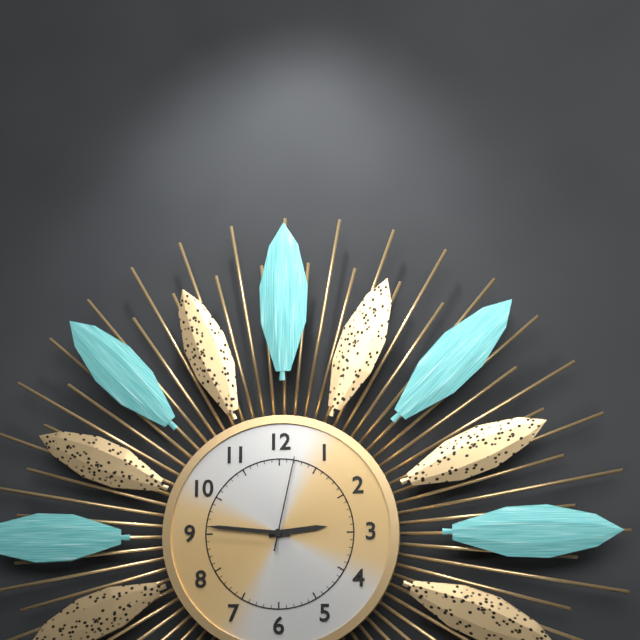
{"hour": 2, "minute": 46, "second": 2}
